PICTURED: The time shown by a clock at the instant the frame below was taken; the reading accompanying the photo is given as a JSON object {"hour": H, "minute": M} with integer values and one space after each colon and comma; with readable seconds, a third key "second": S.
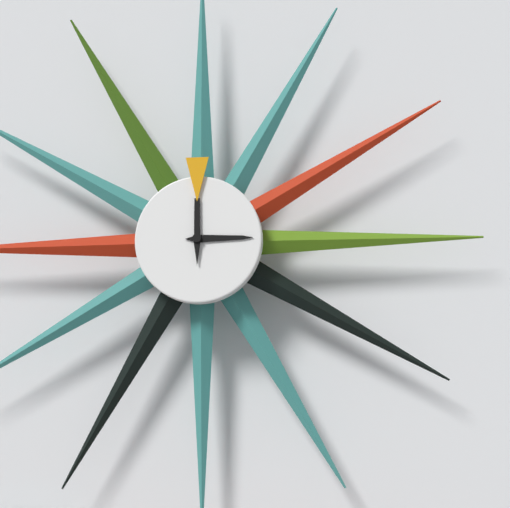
{"hour": 3, "minute": 0}
